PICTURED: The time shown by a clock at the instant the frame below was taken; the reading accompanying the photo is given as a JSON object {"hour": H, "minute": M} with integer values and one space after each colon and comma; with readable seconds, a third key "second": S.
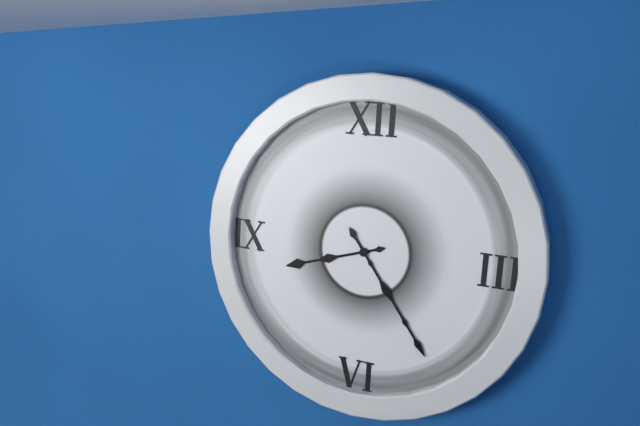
{"hour": 8, "minute": 24}
